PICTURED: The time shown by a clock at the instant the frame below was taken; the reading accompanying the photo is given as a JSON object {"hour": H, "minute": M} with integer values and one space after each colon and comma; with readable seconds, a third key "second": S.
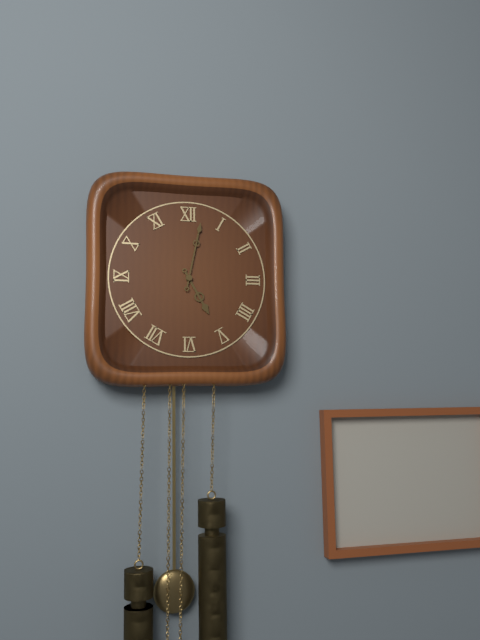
{"hour": 5, "minute": 2}
